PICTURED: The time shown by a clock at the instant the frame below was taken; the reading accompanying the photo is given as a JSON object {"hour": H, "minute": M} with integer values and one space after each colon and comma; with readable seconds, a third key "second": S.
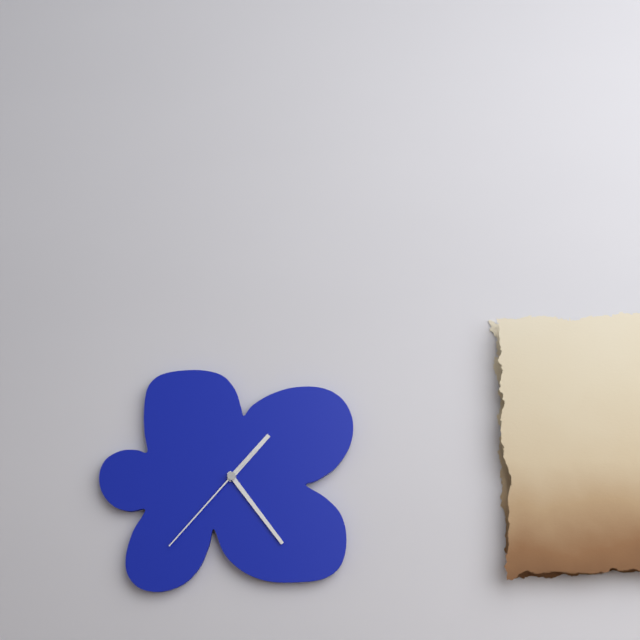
{"hour": 1, "minute": 24, "second": 37}
